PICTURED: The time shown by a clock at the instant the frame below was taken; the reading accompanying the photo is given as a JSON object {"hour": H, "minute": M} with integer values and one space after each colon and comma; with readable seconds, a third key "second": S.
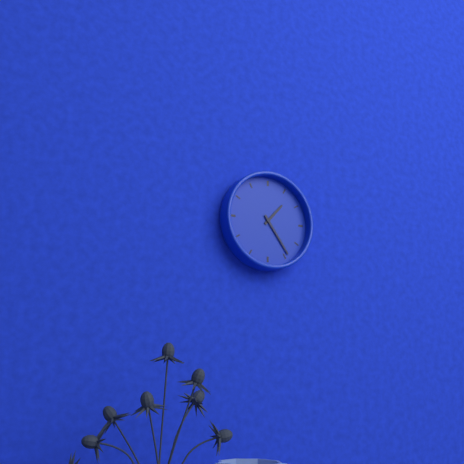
{"hour": 1, "minute": 24}
